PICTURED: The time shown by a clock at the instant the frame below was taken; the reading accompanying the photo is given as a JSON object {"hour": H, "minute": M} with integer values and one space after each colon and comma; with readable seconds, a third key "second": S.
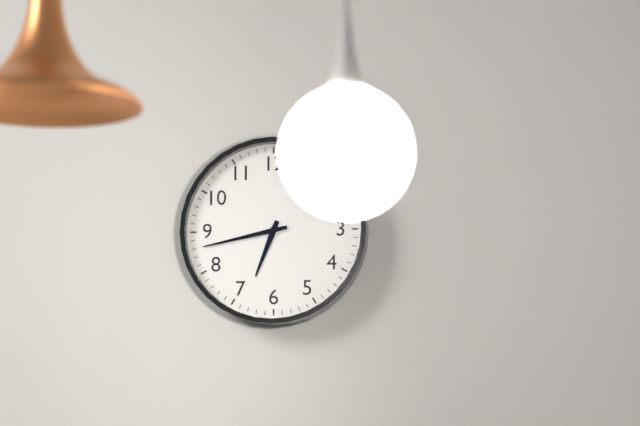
{"hour": 6, "minute": 43}
